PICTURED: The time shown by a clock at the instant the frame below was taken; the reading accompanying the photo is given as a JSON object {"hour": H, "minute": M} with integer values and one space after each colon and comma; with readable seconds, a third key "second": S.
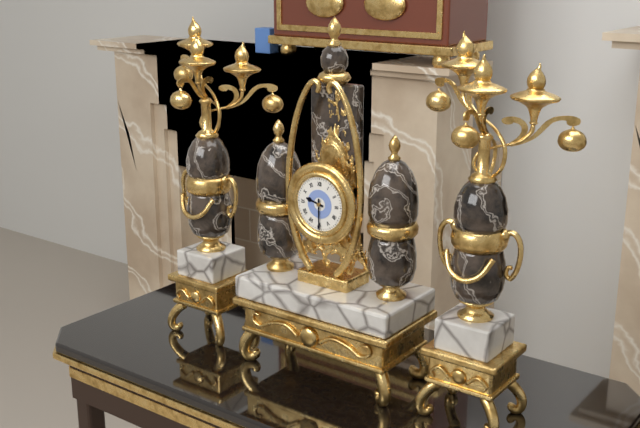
{"hour": 9, "minute": 30}
